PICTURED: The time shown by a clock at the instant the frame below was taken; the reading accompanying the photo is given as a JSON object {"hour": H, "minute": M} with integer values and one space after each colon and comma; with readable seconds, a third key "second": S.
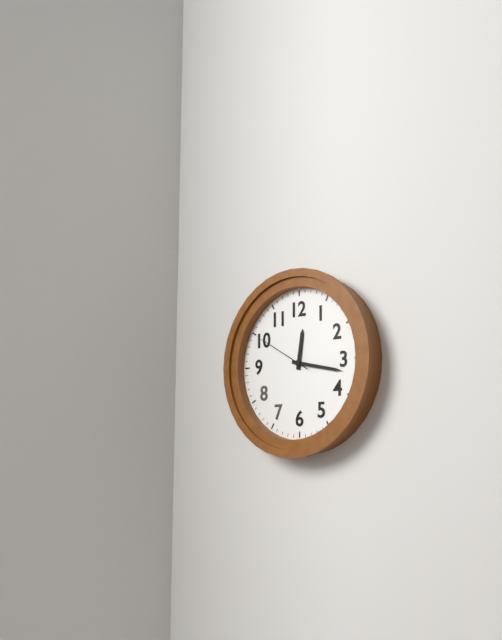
{"hour": 12, "minute": 17, "second": 50}
